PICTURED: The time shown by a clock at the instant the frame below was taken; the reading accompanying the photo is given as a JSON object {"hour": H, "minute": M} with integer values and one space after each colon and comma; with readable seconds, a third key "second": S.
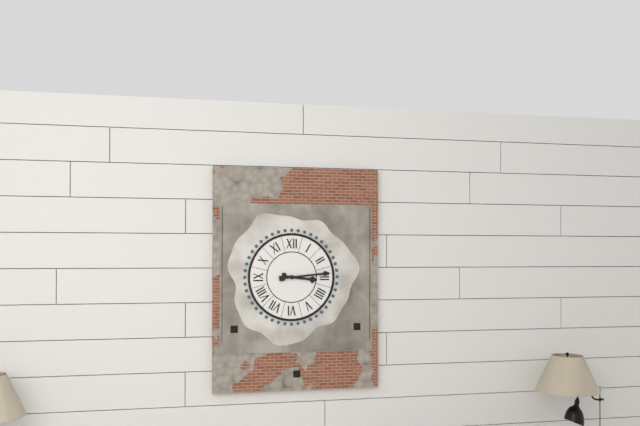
{"hour": 3, "minute": 14}
